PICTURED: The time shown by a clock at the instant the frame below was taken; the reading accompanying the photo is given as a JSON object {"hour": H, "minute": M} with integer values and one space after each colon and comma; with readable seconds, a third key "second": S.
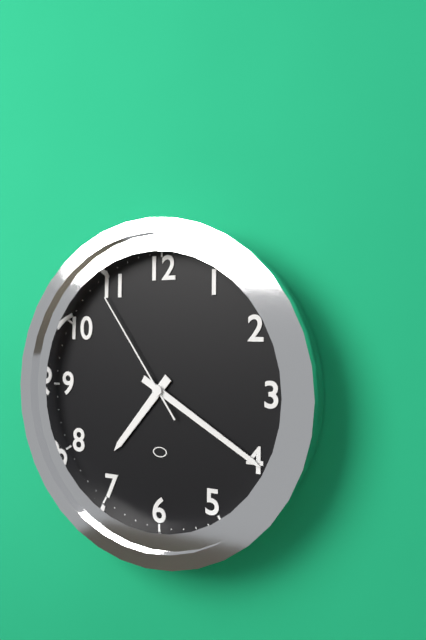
{"hour": 7, "minute": 20, "second": 54}
